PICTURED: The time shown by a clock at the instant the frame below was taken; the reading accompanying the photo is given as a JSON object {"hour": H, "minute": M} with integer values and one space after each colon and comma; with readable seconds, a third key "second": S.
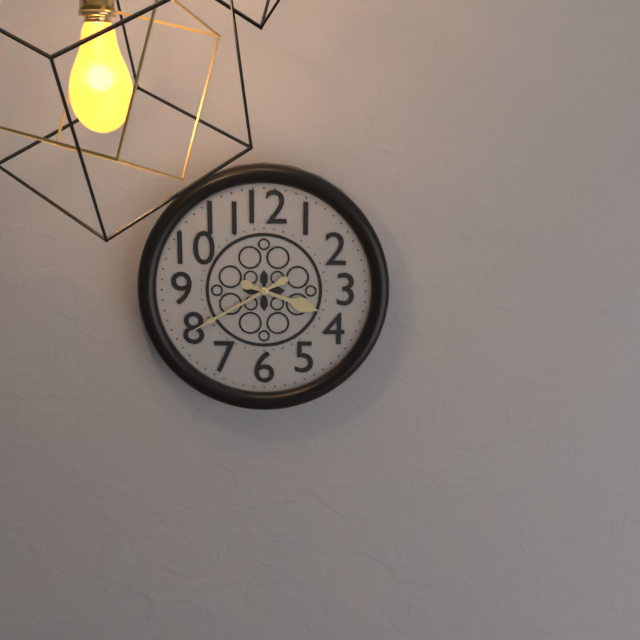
{"hour": 3, "minute": 40}
